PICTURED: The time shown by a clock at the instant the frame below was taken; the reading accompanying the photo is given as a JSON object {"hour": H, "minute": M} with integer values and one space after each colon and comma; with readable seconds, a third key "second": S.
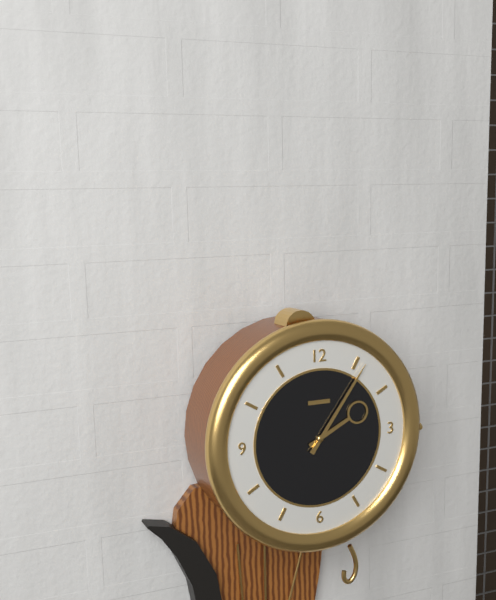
{"hour": 2, "minute": 6}
